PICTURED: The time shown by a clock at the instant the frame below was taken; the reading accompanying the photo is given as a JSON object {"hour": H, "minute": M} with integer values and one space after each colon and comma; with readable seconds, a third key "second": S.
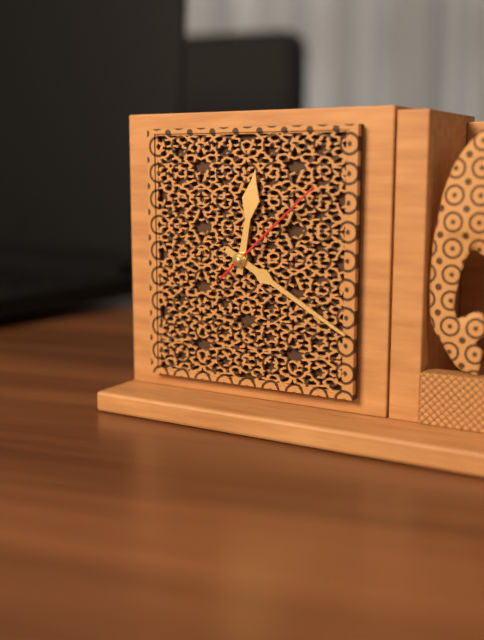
{"hour": 12, "minute": 20, "second": 8}
